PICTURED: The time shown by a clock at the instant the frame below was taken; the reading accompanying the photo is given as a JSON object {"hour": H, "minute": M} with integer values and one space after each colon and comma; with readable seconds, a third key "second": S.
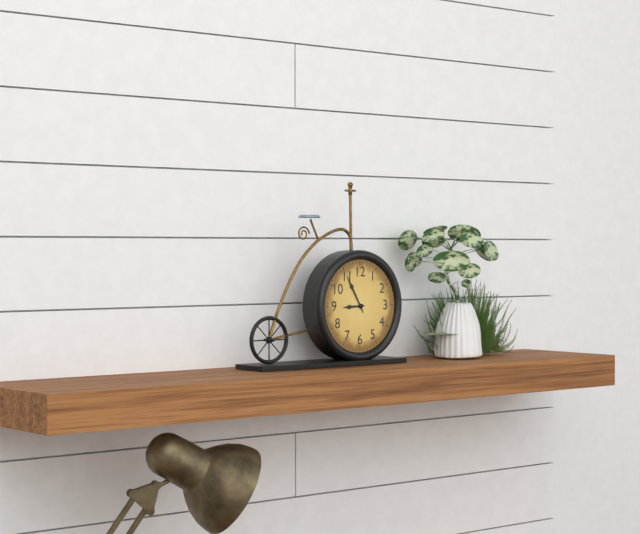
{"hour": 8, "minute": 55}
